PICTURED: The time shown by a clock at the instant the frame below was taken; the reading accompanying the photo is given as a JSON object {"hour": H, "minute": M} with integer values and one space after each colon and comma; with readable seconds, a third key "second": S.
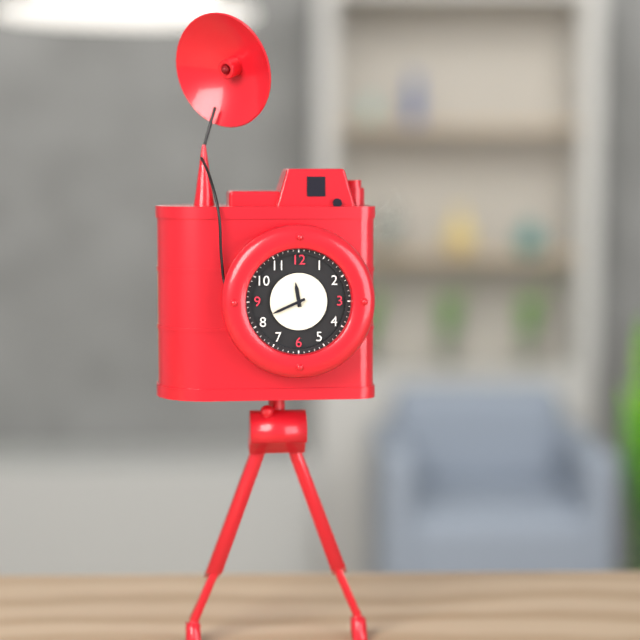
{"hour": 11, "minute": 41}
